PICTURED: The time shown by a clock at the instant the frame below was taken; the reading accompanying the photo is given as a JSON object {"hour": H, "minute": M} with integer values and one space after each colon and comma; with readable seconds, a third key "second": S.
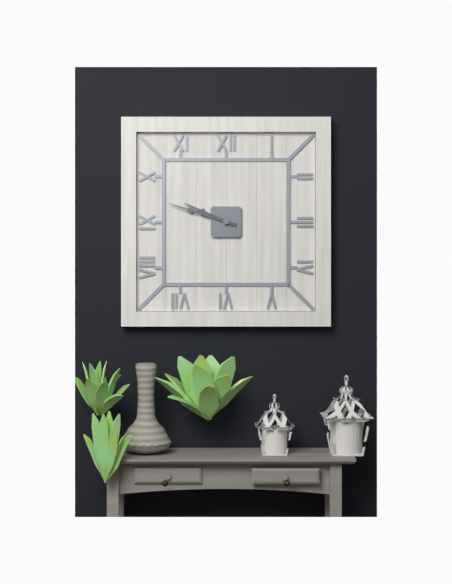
{"hour": 9, "minute": 48}
